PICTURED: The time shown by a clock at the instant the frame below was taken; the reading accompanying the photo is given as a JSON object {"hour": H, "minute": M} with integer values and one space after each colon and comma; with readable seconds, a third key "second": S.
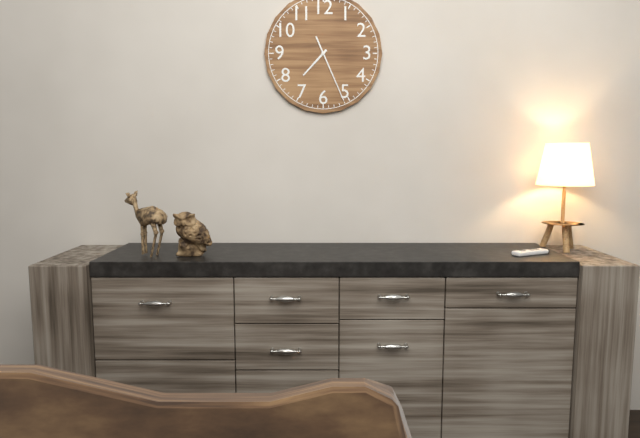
{"hour": 7, "minute": 26}
